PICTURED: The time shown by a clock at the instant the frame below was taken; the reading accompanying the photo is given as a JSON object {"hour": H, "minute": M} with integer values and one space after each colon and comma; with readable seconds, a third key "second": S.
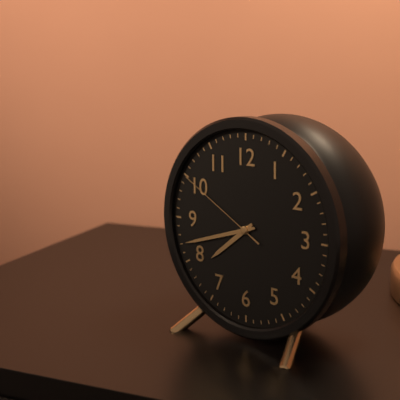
{"hour": 7, "minute": 42, "second": 50}
